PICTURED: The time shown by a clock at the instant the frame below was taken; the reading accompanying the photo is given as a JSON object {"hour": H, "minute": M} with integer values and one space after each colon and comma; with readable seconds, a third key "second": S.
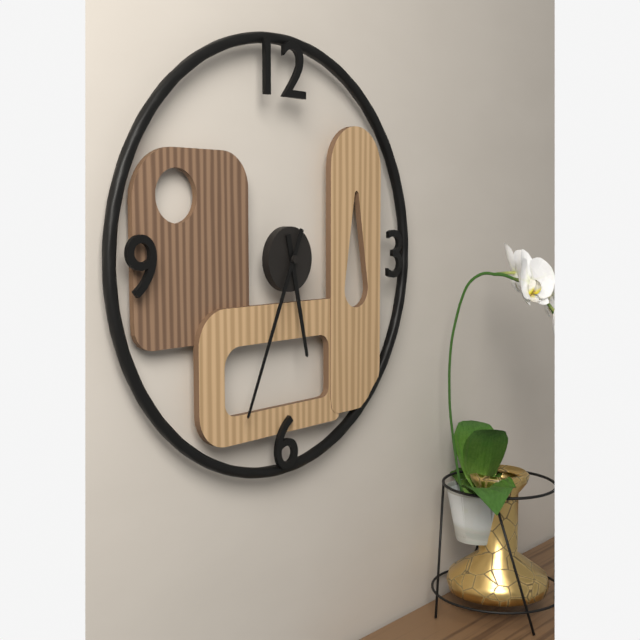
{"hour": 5, "minute": 34}
